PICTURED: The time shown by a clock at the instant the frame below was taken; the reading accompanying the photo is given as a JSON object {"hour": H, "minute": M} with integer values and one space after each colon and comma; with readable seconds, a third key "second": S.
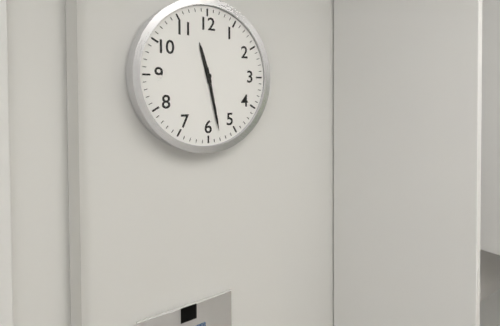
{"hour": 11, "minute": 28}
